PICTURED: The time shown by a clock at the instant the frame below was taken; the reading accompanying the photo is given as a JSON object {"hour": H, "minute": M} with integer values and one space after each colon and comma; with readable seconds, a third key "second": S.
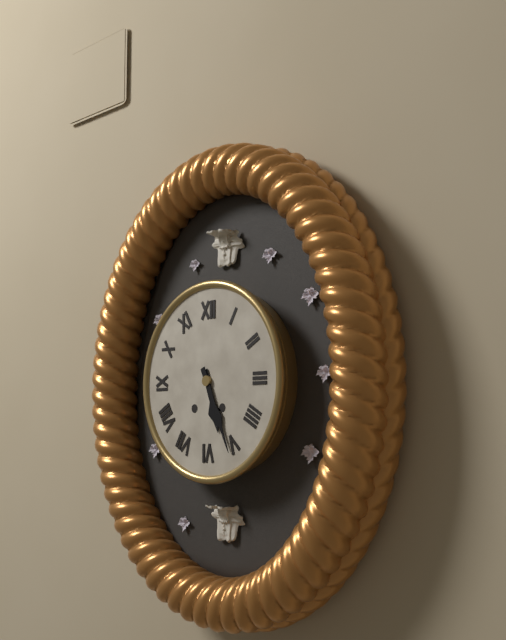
{"hour": 5, "minute": 26}
